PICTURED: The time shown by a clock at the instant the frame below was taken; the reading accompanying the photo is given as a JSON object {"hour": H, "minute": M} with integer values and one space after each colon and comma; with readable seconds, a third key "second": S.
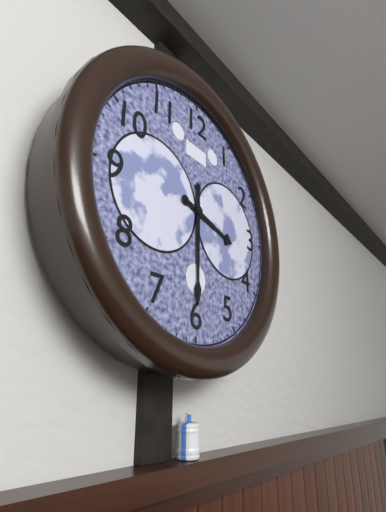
{"hour": 3, "minute": 30}
